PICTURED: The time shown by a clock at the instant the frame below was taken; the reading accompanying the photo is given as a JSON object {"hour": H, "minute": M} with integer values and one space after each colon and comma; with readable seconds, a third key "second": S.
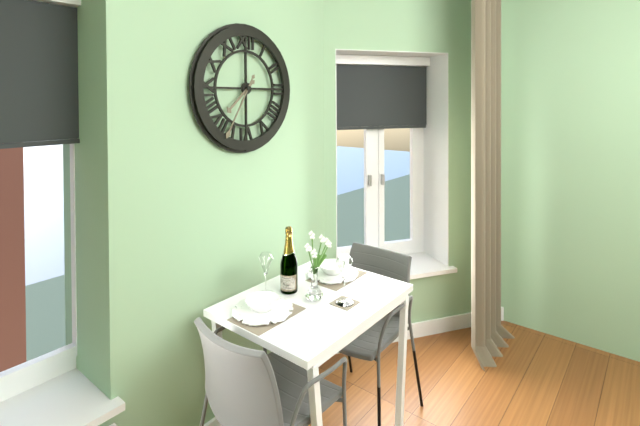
{"hour": 7, "minute": 35}
